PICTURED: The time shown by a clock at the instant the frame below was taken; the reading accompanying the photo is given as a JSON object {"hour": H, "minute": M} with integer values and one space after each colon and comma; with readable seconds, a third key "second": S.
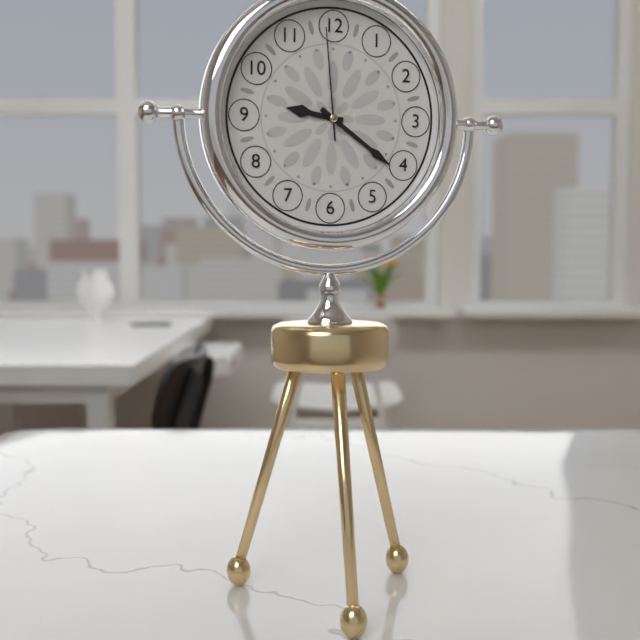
{"hour": 9, "minute": 21, "second": 59}
